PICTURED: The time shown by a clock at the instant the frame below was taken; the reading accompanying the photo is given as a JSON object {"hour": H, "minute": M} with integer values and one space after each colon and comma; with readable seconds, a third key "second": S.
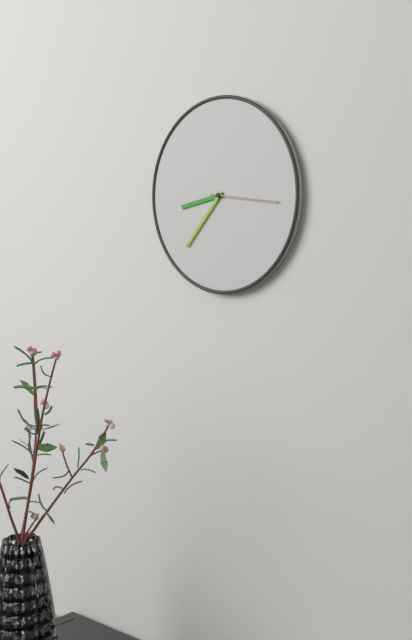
{"hour": 8, "minute": 37, "second": 16}
